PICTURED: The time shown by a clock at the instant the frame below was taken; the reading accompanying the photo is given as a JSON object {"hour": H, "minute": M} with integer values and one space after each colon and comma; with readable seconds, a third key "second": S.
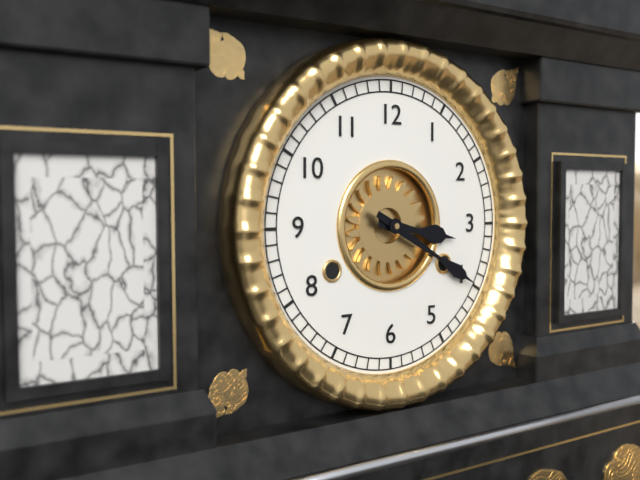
{"hour": 3, "minute": 20}
